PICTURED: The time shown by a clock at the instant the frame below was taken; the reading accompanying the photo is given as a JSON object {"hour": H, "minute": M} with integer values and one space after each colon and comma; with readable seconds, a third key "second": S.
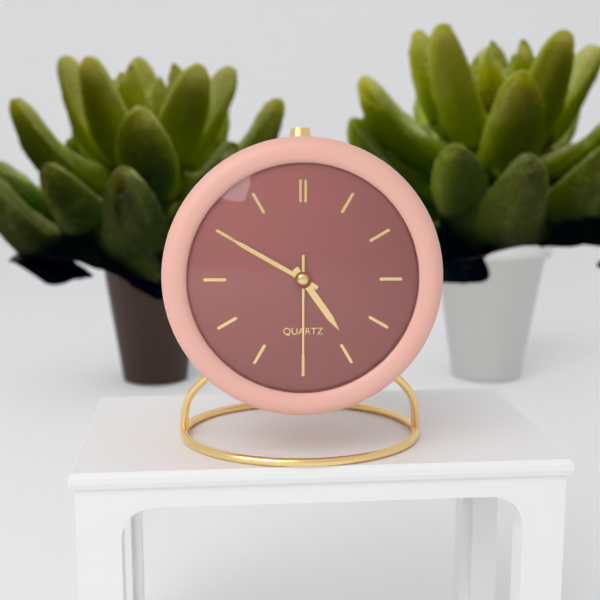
{"hour": 4, "minute": 50, "second": 30}
